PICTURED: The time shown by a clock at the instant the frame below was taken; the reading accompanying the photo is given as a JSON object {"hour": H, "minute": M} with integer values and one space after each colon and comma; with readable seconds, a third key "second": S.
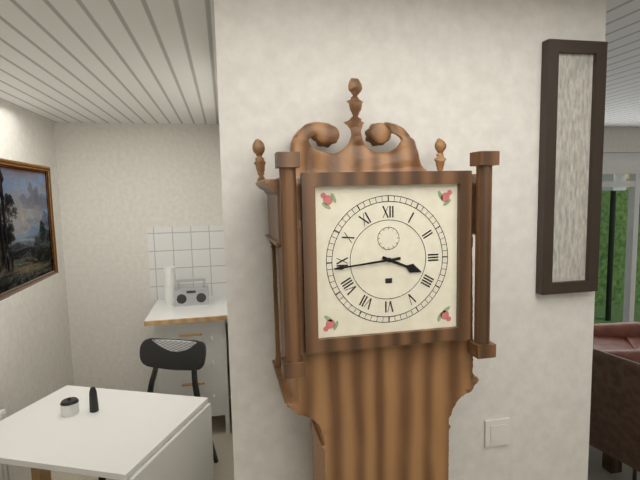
{"hour": 3, "minute": 44}
